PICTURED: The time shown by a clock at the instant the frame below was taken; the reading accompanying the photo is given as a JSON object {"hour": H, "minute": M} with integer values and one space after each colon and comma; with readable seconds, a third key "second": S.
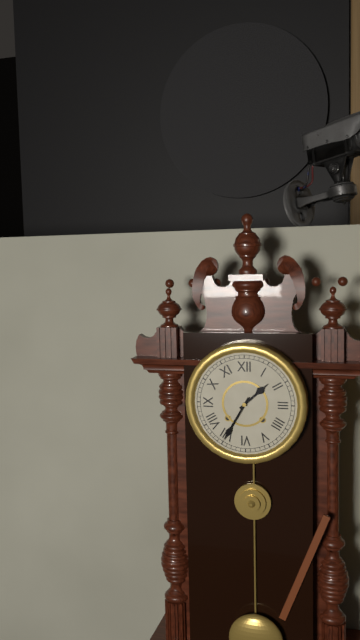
{"hour": 1, "minute": 35}
